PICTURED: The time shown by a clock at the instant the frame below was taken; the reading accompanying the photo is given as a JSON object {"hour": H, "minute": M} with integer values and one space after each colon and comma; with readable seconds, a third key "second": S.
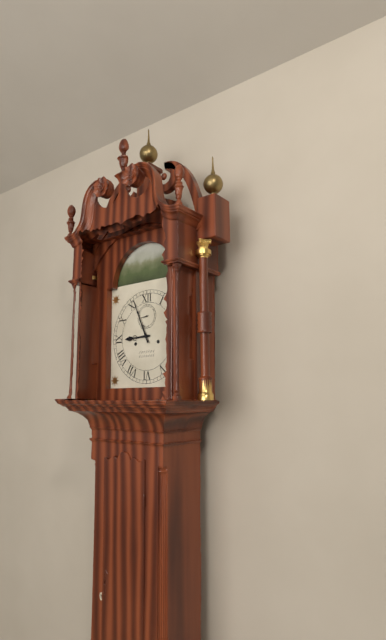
{"hour": 8, "minute": 56}
